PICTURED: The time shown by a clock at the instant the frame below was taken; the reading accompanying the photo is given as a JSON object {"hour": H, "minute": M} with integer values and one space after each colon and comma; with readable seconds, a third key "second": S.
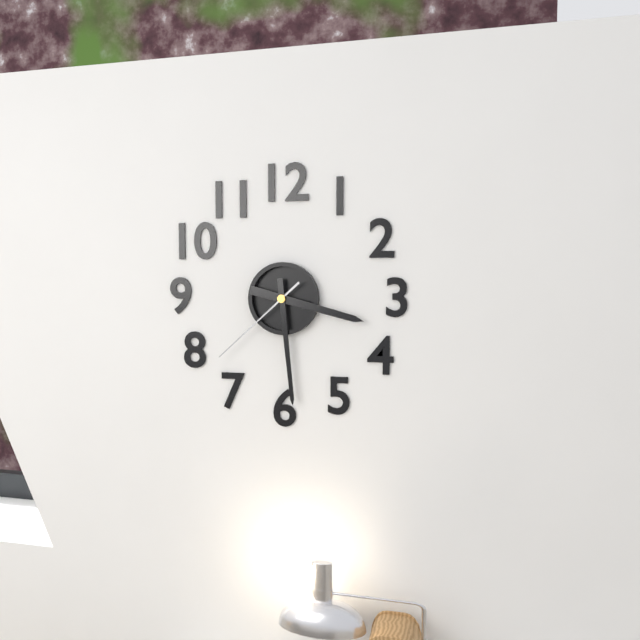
{"hour": 3, "minute": 29, "second": 38}
